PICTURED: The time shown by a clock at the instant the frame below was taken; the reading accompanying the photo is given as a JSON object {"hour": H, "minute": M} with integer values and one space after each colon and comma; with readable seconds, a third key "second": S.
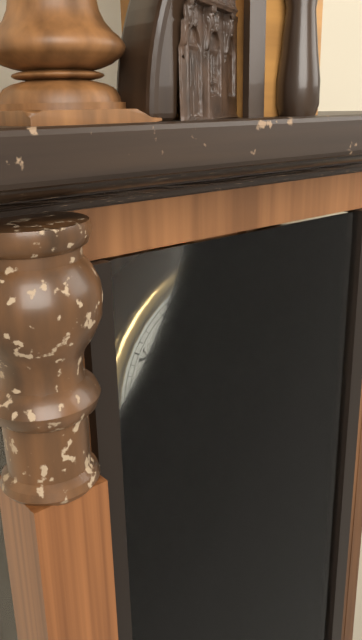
{"hour": 3, "minute": 1}
